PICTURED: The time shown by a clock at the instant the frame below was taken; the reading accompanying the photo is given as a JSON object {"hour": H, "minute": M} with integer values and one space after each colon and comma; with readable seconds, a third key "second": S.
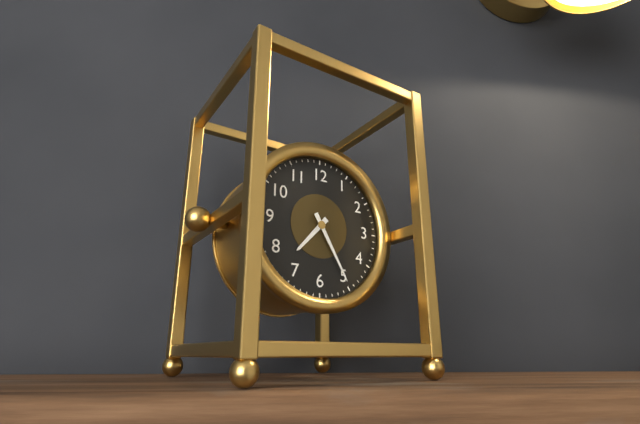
{"hour": 7, "minute": 25}
